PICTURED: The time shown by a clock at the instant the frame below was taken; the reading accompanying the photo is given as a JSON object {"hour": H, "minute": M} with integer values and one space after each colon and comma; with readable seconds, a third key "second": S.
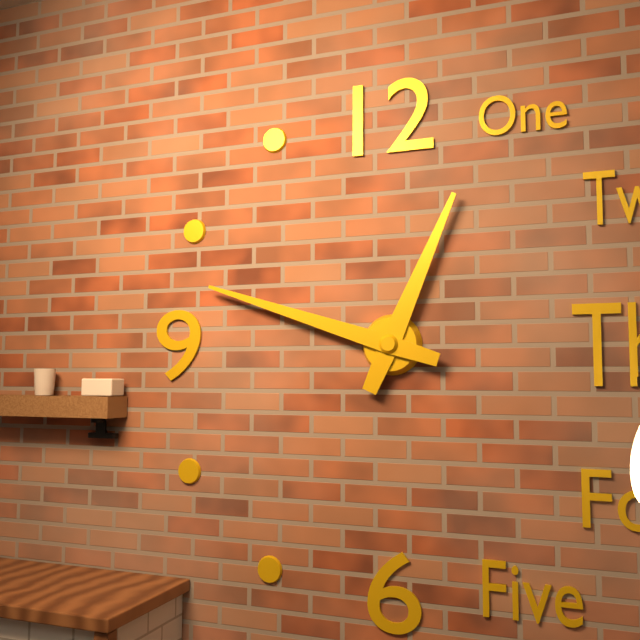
{"hour": 12, "minute": 48}
